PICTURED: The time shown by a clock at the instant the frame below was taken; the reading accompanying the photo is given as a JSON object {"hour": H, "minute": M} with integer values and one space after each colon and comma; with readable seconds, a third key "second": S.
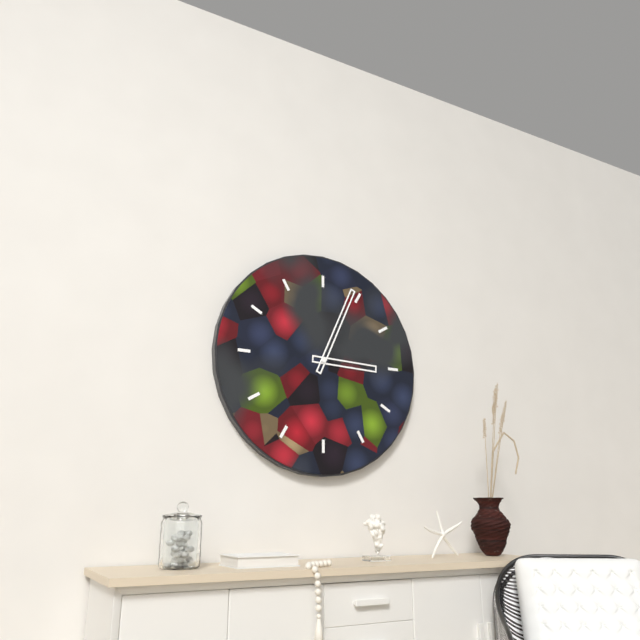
{"hour": 3, "minute": 4}
